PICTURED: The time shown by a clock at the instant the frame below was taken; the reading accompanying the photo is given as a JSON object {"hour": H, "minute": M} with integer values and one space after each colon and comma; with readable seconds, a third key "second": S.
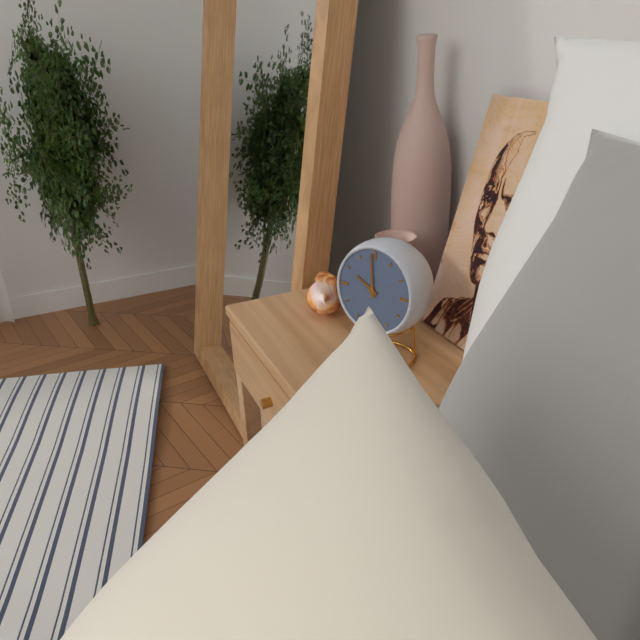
{"hour": 9, "minute": 59}
